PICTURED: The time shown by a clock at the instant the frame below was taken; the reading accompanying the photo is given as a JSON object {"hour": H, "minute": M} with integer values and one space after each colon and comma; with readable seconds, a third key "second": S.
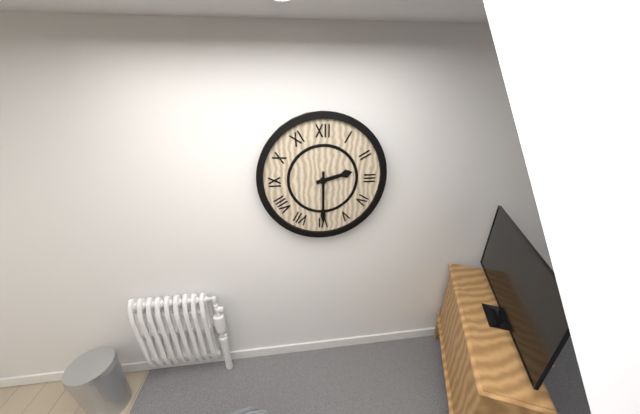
{"hour": 2, "minute": 30}
